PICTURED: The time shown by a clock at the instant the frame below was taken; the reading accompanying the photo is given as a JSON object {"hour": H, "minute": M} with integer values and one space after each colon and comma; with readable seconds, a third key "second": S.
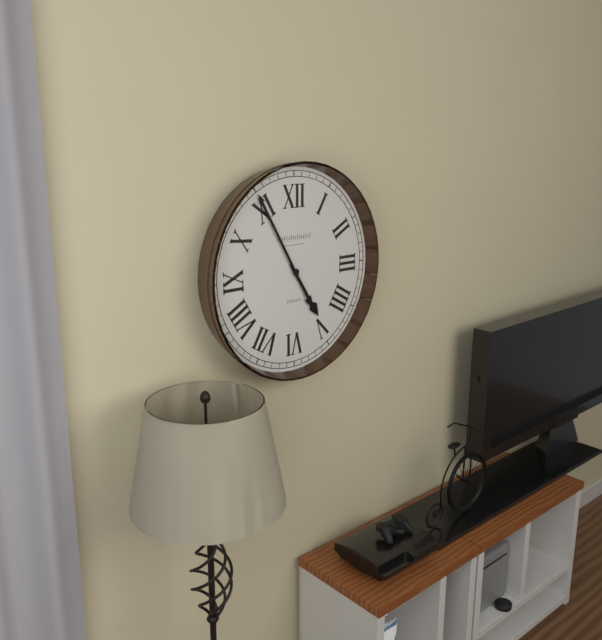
{"hour": 4, "minute": 55}
